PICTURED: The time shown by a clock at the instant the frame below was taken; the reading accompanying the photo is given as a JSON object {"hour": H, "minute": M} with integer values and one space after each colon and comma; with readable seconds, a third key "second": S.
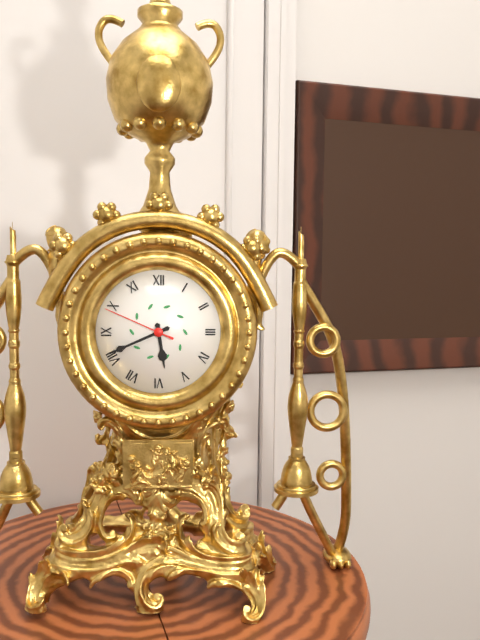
{"hour": 5, "minute": 41, "second": 49}
